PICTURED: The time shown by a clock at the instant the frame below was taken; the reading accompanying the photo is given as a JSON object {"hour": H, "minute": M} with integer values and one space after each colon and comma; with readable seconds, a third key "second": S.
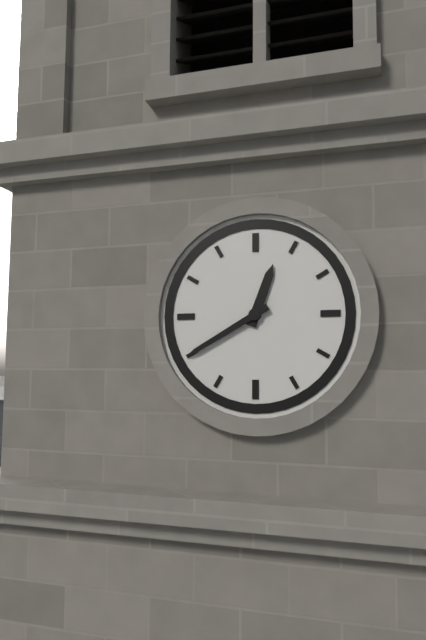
{"hour": 12, "minute": 40}
